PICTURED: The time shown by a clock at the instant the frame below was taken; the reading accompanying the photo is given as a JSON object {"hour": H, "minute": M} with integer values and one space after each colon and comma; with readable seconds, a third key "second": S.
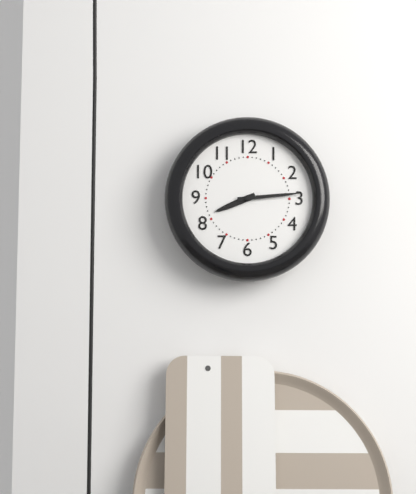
{"hour": 8, "minute": 14}
